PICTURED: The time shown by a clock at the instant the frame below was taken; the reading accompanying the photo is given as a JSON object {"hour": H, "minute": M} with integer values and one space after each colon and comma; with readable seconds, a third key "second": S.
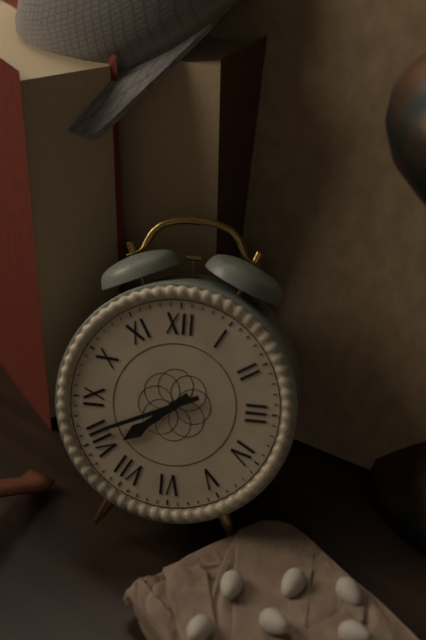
{"hour": 7, "minute": 41}
